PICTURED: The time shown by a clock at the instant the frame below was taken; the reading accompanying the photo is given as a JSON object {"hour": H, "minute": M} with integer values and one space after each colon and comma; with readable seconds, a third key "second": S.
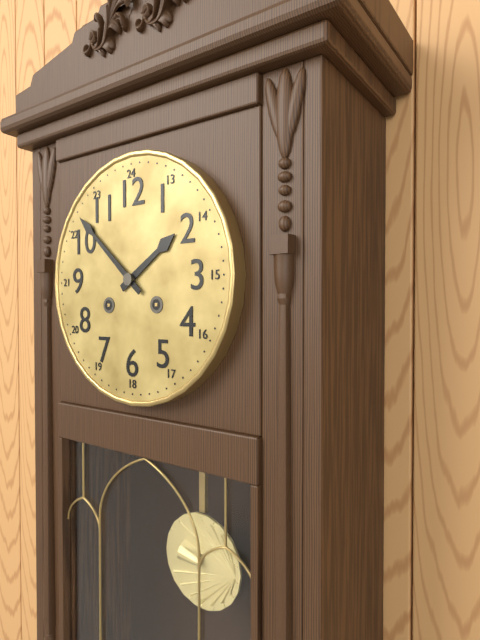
{"hour": 1, "minute": 52}
